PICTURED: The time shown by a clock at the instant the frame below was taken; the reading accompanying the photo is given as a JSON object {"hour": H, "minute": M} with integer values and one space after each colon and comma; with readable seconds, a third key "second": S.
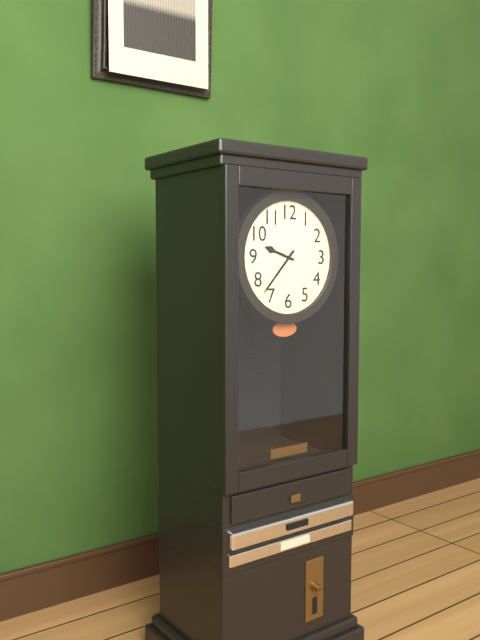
{"hour": 9, "minute": 37}
